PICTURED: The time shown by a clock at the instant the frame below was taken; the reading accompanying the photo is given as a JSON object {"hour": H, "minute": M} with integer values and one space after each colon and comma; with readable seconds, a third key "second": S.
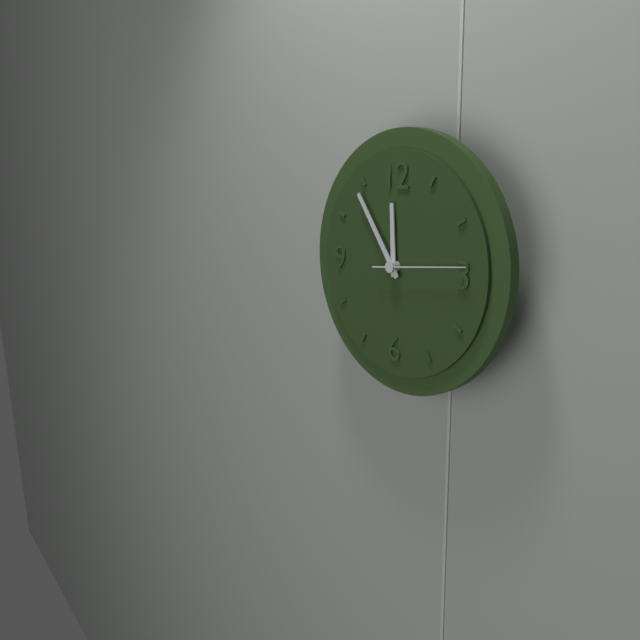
{"hour": 11, "minute": 54, "second": 14}
